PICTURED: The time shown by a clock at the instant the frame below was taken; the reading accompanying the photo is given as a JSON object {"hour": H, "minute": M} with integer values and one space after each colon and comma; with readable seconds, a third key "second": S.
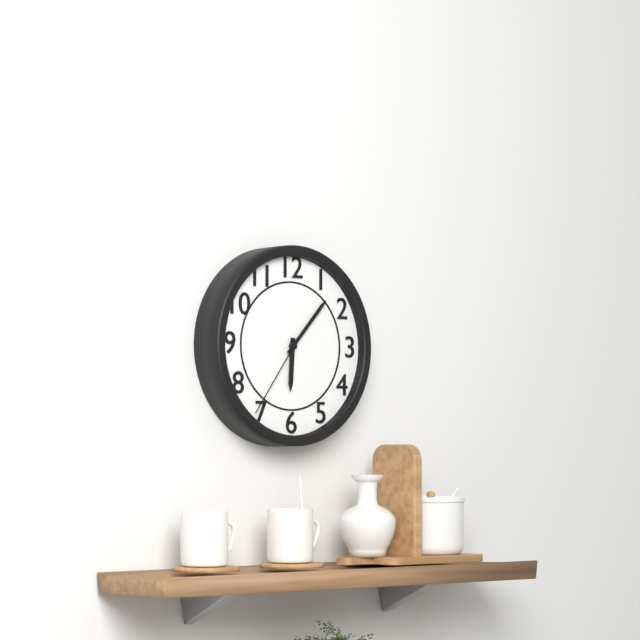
{"hour": 6, "minute": 7, "second": 36}
